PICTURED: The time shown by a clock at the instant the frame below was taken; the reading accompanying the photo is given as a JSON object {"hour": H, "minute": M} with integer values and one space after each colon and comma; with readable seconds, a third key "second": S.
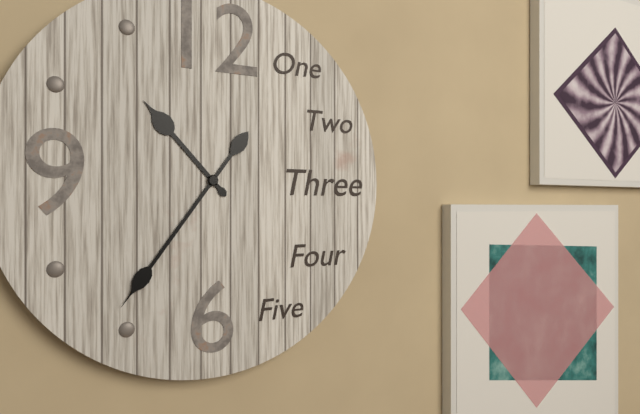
{"hour": 10, "minute": 36}
